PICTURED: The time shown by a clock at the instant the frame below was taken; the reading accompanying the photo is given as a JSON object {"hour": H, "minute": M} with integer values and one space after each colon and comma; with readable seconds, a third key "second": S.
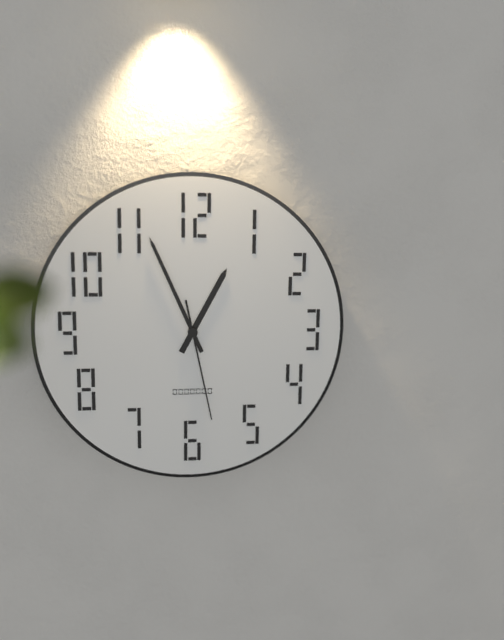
{"hour": 12, "minute": 56, "second": 28}
